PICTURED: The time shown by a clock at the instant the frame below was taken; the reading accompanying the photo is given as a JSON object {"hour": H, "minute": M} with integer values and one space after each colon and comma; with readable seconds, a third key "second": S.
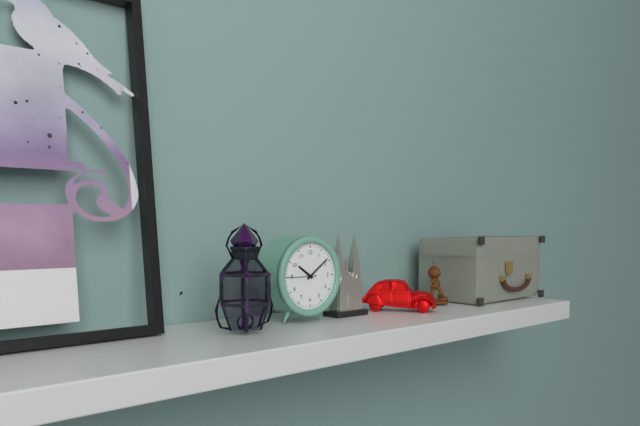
{"hour": 10, "minute": 9}
